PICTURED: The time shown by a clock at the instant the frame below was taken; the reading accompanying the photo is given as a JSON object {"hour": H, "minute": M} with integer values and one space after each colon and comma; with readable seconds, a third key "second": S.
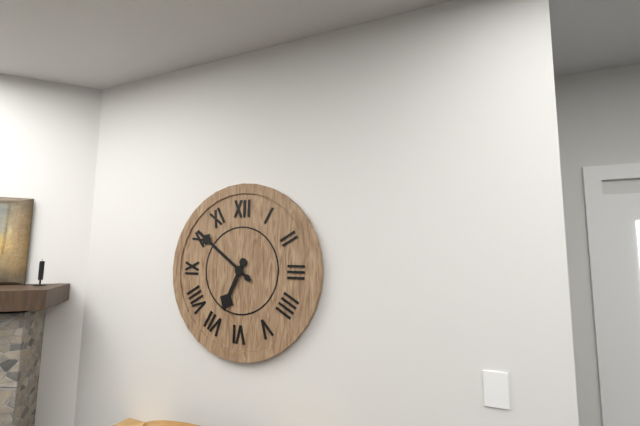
{"hour": 6, "minute": 51}
